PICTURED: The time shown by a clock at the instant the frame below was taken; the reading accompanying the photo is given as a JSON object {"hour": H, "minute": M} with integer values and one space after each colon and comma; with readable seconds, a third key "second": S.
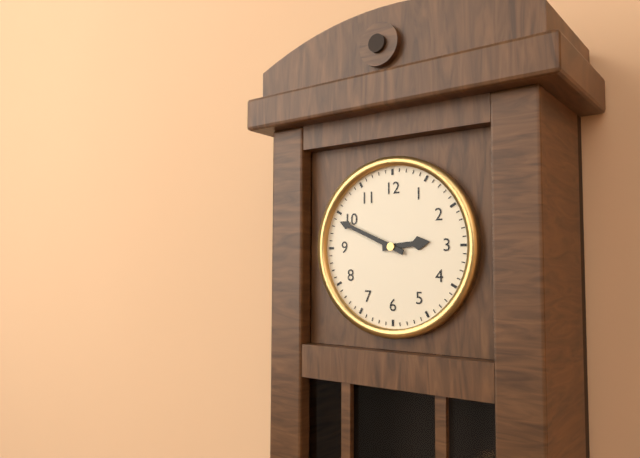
{"hour": 2, "minute": 49}
